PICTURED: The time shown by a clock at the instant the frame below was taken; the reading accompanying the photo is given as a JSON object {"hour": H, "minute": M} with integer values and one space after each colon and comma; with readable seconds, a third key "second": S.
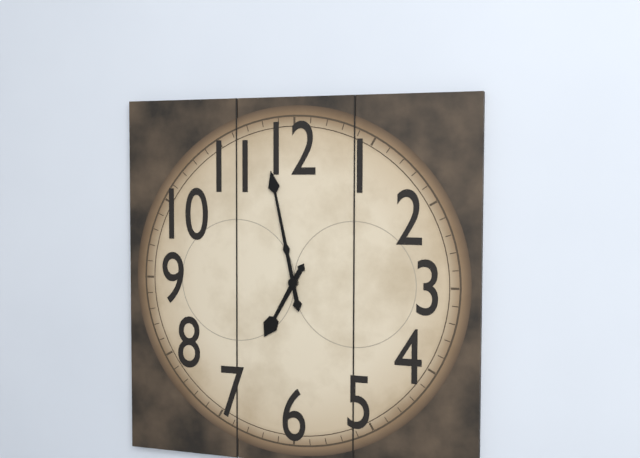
{"hour": 6, "minute": 58}
